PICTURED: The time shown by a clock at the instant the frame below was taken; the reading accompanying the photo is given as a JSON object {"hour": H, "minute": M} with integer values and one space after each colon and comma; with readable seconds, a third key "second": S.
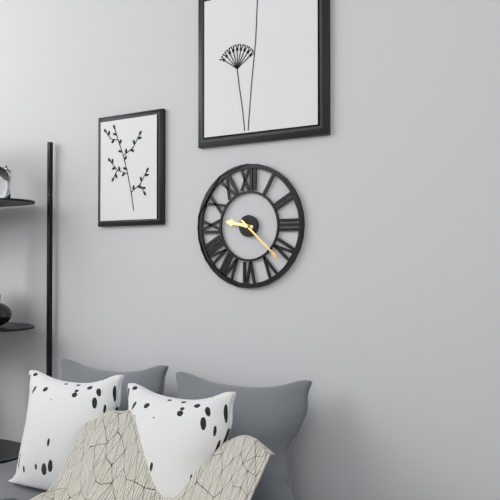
{"hour": 9, "minute": 22}
